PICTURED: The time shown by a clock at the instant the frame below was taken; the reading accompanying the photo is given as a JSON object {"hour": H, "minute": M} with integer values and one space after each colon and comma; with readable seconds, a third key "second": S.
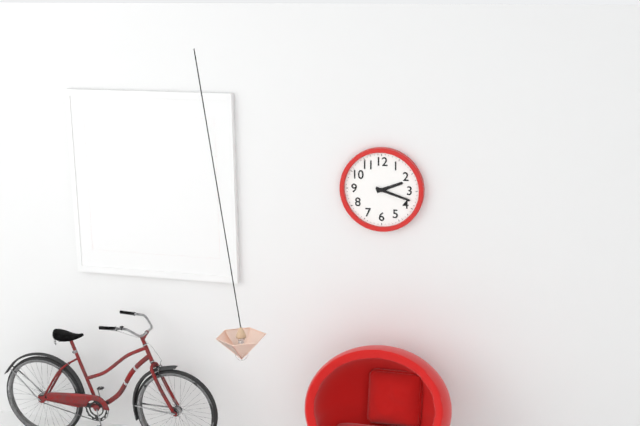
{"hour": 2, "minute": 18}
